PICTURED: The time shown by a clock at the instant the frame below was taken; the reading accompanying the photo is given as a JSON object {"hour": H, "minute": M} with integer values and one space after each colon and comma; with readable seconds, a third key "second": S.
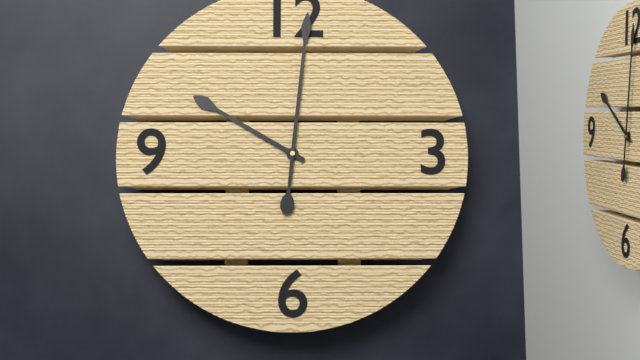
{"hour": 10, "minute": 1}
